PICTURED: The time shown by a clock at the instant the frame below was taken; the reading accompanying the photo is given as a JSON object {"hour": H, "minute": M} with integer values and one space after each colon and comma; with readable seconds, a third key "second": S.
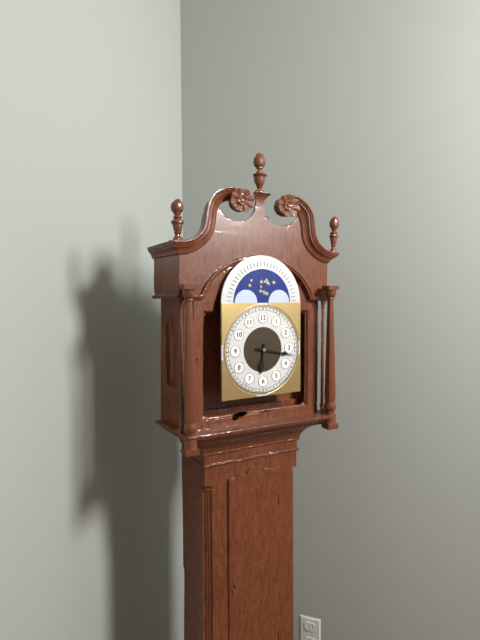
{"hour": 6, "minute": 17}
